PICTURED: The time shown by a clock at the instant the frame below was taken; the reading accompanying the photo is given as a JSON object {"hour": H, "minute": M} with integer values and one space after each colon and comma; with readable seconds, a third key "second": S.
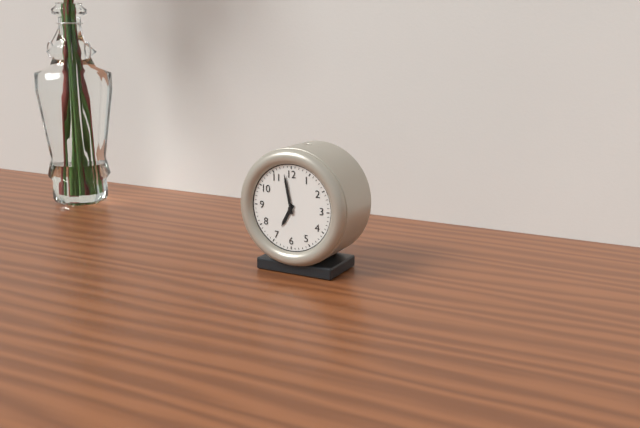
{"hour": 6, "minute": 58}
